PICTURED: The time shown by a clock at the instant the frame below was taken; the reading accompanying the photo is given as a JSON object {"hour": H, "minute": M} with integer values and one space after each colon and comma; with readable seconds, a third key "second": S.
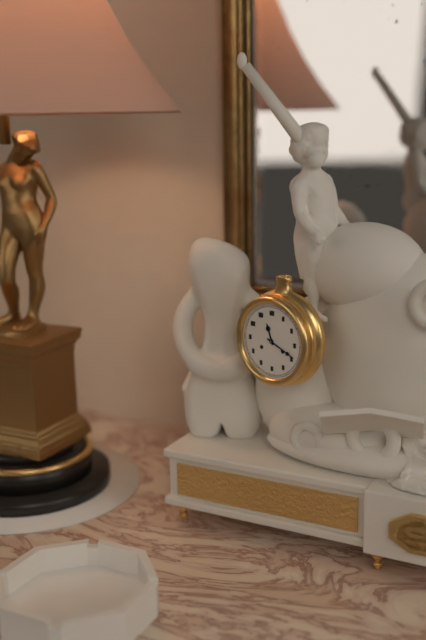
{"hour": 11, "minute": 19}
